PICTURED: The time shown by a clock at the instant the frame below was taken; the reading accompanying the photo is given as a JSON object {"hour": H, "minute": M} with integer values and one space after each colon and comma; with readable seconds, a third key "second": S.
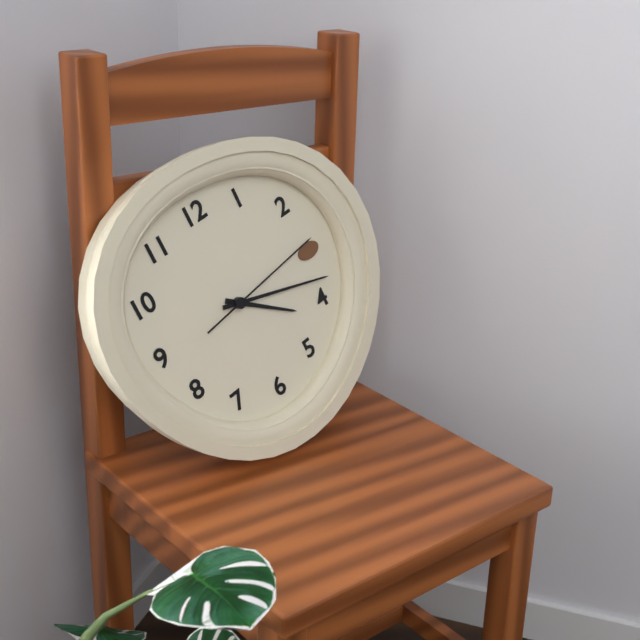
{"hour": 4, "minute": 18, "second": 14}
